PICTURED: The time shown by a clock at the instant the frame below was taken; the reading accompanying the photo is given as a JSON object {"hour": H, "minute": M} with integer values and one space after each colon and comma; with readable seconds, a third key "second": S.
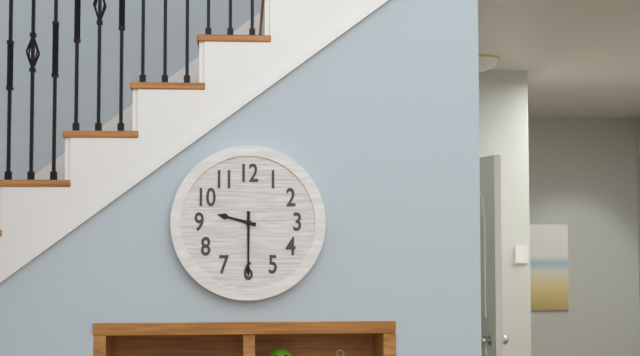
{"hour": 9, "minute": 30}
